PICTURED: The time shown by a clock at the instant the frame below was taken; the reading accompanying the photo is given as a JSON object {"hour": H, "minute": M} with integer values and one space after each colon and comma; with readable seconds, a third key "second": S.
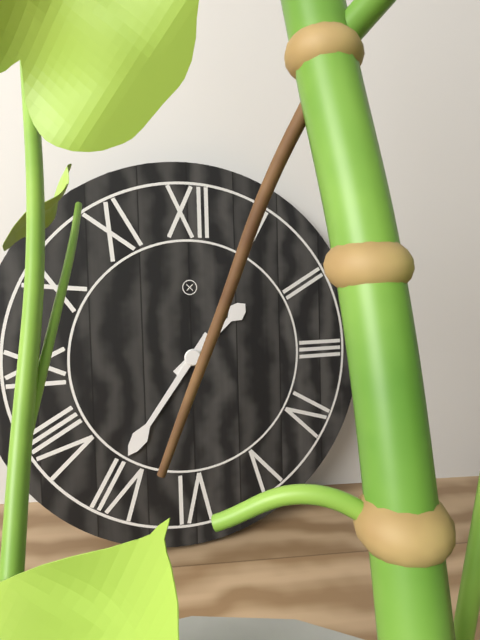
{"hour": 1, "minute": 36}
